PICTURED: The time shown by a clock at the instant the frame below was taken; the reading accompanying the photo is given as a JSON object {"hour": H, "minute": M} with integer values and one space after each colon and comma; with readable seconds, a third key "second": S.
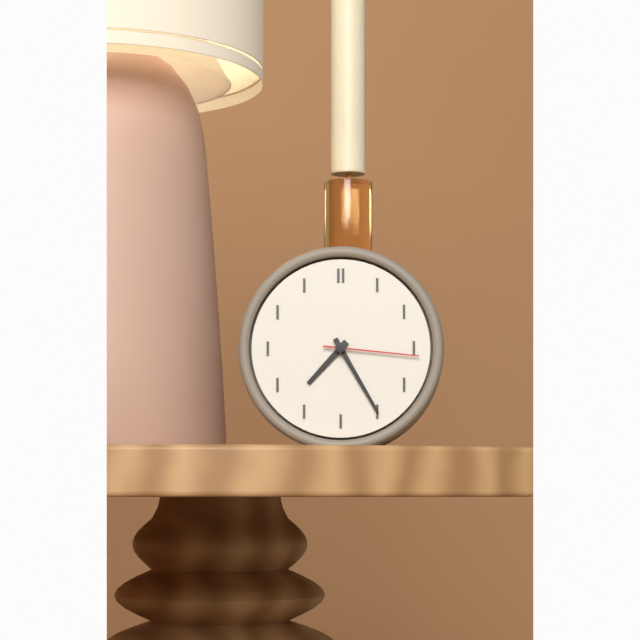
{"hour": 7, "minute": 25, "second": 16}
